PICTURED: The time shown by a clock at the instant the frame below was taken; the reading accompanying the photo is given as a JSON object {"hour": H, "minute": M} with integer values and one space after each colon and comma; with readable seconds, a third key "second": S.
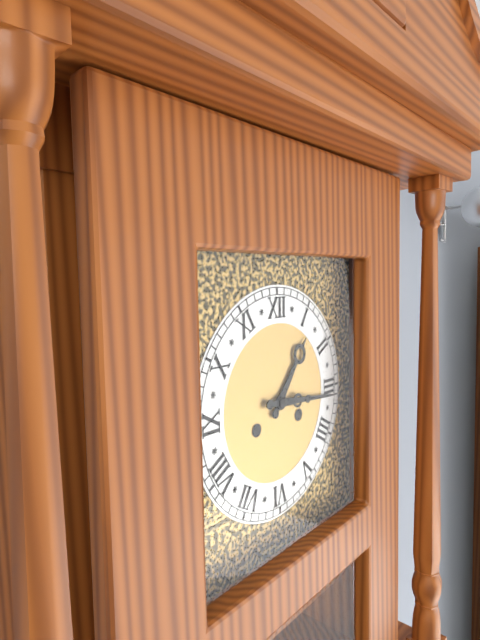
{"hour": 1, "minute": 16}
